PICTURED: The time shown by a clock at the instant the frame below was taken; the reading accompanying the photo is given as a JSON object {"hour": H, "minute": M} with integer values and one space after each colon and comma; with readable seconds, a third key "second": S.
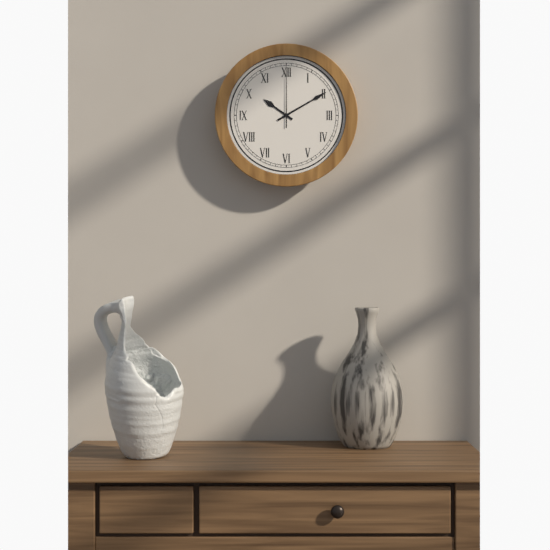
{"hour": 10, "minute": 10, "second": 0}
